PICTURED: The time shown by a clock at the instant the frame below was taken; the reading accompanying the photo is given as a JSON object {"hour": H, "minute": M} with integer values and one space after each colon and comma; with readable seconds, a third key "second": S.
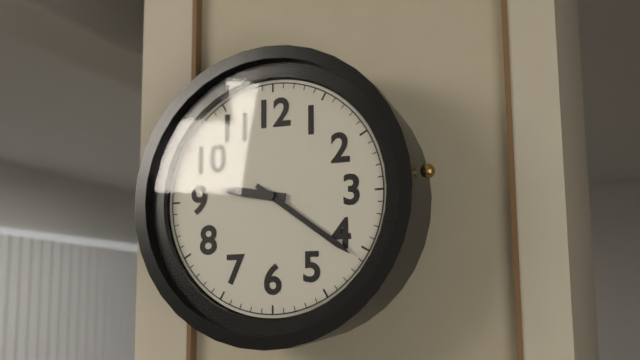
{"hour": 9, "minute": 21}
